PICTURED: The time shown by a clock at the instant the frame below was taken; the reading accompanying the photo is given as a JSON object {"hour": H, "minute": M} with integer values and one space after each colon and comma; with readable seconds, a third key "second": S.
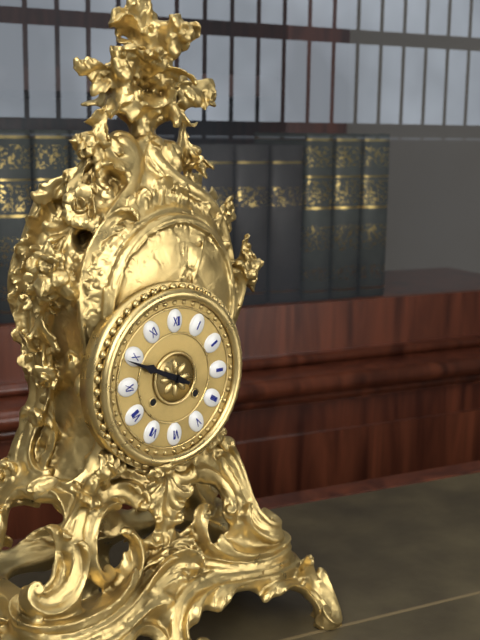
{"hour": 9, "minute": 49}
